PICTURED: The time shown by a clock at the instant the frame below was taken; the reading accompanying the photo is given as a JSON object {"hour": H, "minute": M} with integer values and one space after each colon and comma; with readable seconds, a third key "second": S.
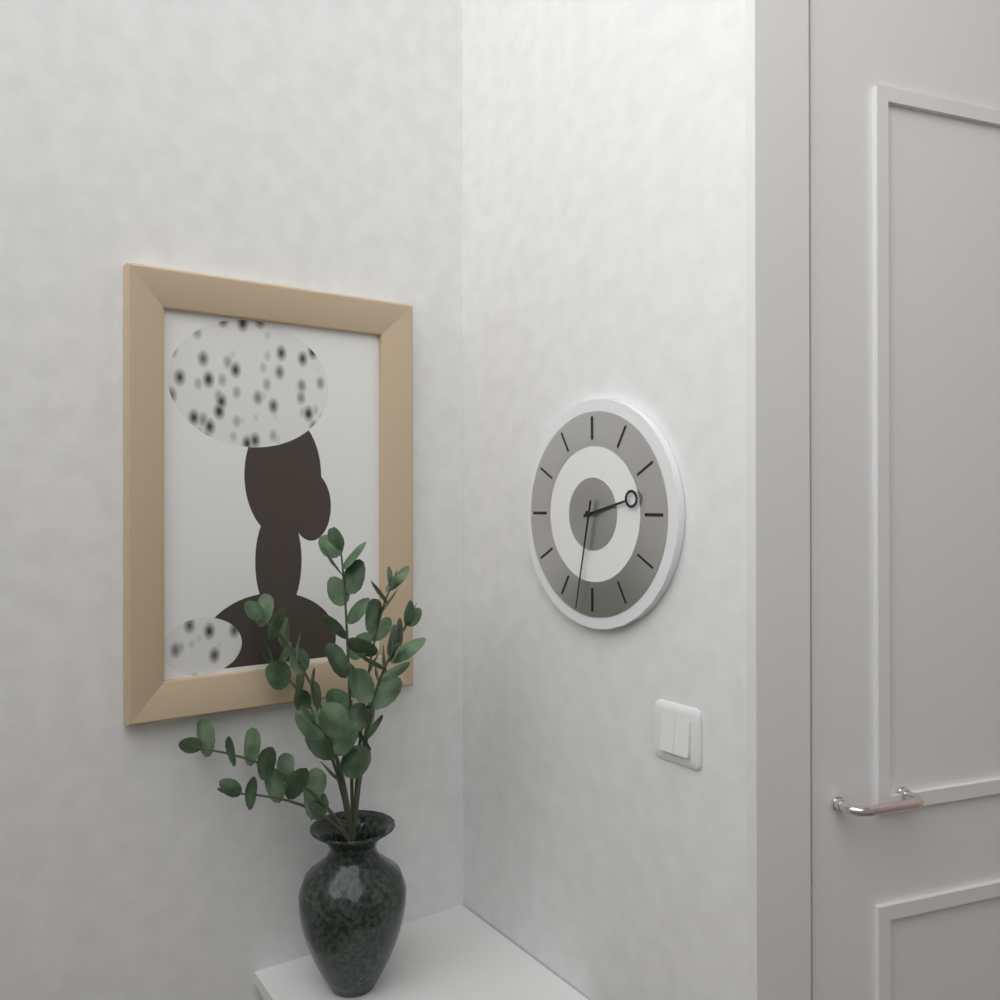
{"hour": 2, "minute": 32}
